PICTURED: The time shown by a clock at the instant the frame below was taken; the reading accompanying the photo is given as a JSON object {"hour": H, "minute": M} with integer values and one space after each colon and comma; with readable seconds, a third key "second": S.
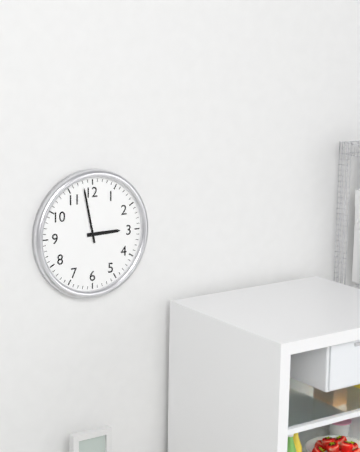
{"hour": 2, "minute": 58}
